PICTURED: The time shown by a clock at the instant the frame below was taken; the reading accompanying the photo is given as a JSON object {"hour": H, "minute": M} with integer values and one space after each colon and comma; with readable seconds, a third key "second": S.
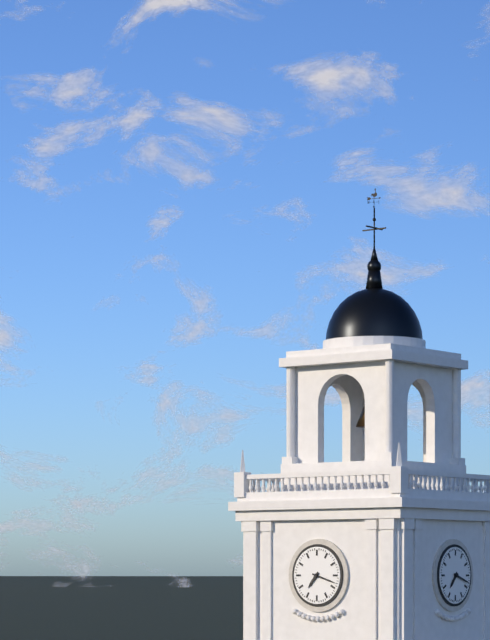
{"hour": 7, "minute": 18}
